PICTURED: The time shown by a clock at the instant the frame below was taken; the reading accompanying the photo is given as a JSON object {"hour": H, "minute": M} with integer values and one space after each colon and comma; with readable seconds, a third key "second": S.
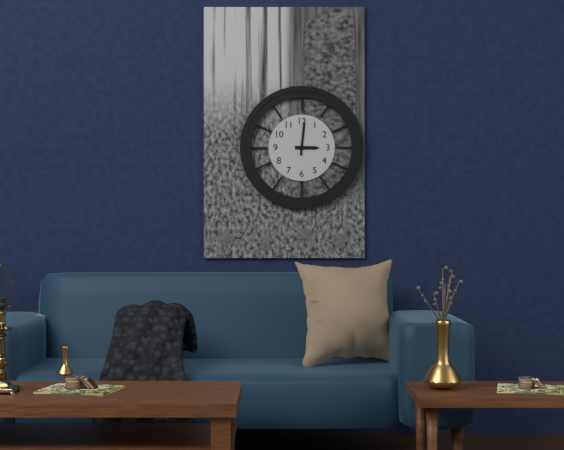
{"hour": 3, "minute": 1}
